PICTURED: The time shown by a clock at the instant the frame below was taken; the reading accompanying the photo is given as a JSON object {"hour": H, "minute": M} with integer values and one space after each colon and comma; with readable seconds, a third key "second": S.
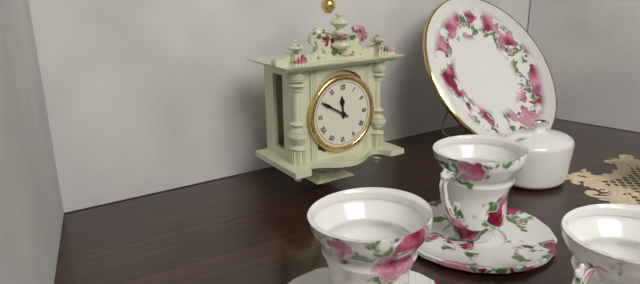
{"hour": 11, "minute": 50}
